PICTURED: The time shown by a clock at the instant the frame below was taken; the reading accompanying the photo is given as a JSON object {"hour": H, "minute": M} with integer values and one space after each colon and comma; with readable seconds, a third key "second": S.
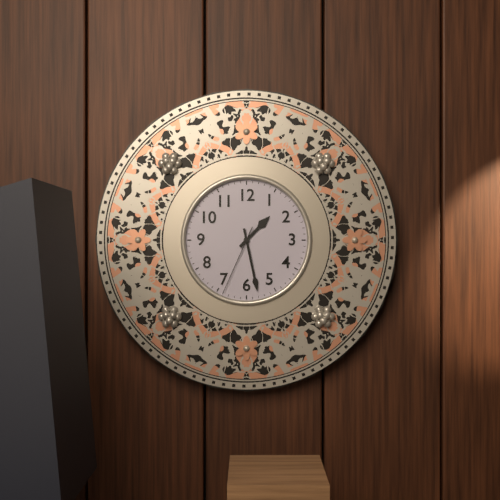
{"hour": 1, "minute": 28, "second": 34}
